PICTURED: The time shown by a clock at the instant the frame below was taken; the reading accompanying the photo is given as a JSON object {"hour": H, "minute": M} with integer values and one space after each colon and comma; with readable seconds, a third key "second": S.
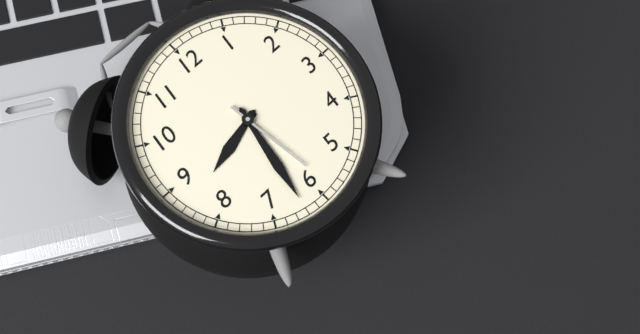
{"hour": 8, "minute": 32, "second": 29}
